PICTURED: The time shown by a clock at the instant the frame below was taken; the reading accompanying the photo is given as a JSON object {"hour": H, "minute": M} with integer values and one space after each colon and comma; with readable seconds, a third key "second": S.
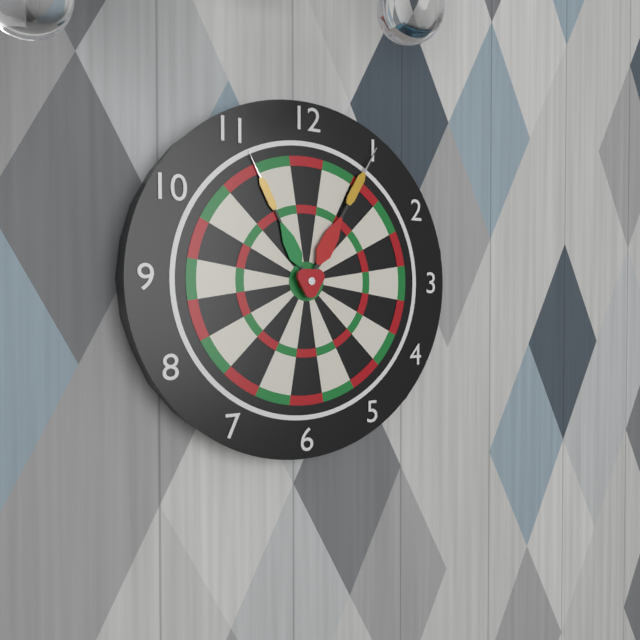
{"hour": 11, "minute": 5}
